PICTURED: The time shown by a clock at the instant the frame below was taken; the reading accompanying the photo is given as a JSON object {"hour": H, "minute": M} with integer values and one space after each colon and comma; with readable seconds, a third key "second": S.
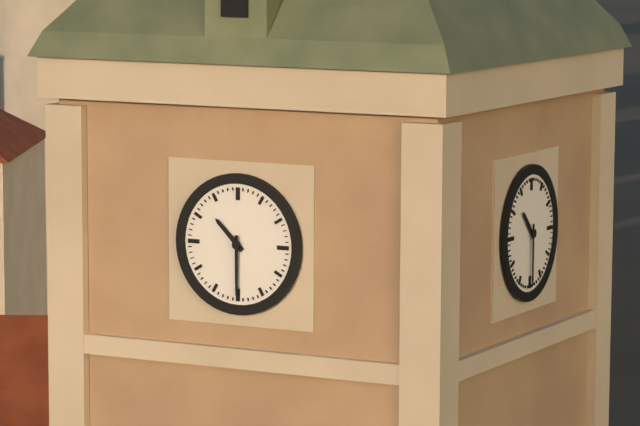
{"hour": 10, "minute": 30}
